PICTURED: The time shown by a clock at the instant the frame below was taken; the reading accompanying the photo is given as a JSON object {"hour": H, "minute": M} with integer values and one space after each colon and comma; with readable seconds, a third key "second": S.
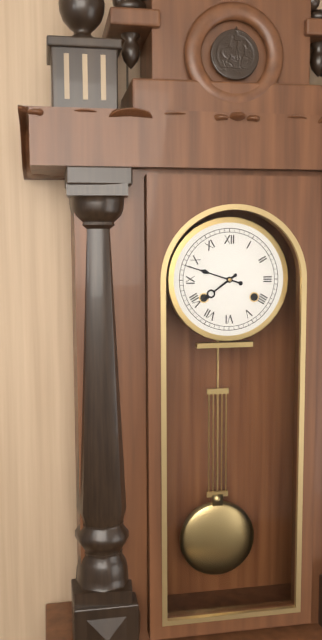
{"hour": 7, "minute": 48}
